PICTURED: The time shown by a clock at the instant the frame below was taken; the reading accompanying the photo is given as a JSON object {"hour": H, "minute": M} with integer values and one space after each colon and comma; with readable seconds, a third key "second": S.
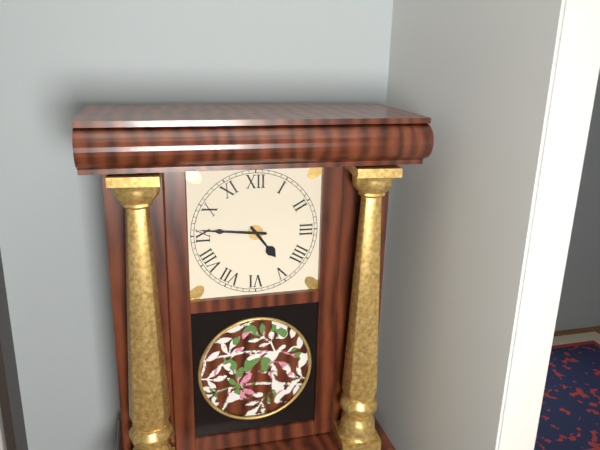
{"hour": 4, "minute": 46}
